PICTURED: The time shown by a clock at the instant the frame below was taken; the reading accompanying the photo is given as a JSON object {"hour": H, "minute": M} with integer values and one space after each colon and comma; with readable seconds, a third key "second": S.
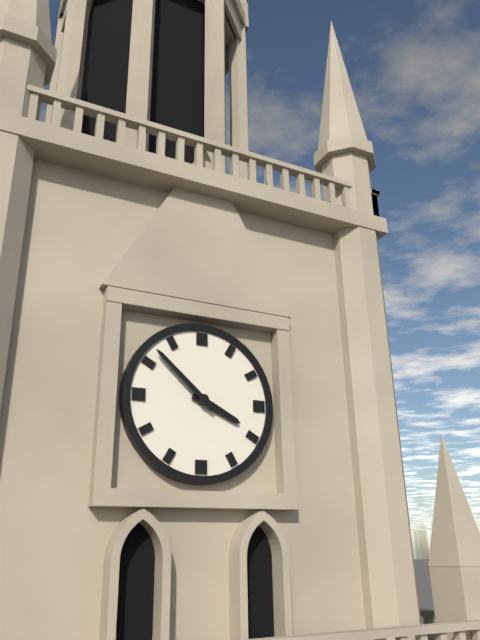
{"hour": 3, "minute": 52}
